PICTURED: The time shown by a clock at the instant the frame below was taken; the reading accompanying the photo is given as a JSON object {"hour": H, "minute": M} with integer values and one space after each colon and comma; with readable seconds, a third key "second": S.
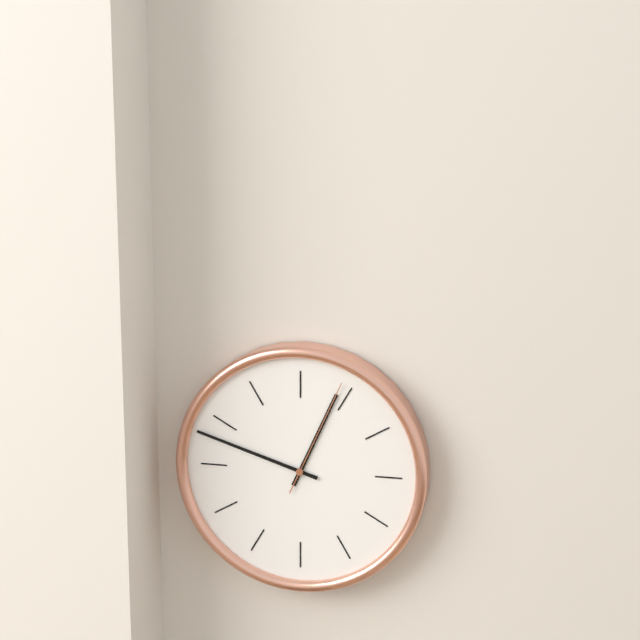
{"hour": 12, "minute": 48, "second": 4}
